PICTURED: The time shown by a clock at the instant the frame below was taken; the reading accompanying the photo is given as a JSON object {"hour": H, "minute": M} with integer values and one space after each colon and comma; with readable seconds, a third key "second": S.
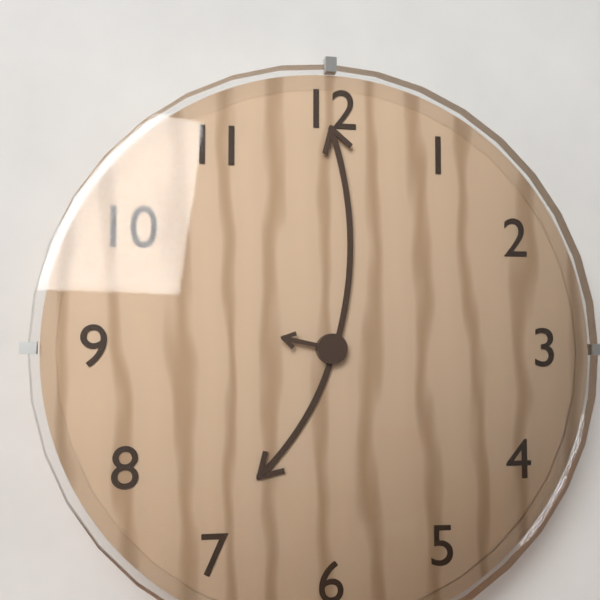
{"hour": 7, "minute": 0, "second": 47}
